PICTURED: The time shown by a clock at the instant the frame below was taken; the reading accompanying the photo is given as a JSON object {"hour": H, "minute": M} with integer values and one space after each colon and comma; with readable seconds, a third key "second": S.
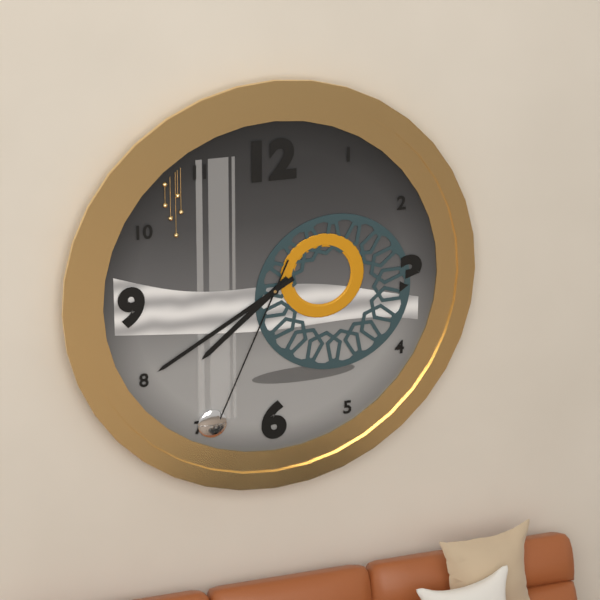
{"hour": 7, "minute": 40, "second": 34}
